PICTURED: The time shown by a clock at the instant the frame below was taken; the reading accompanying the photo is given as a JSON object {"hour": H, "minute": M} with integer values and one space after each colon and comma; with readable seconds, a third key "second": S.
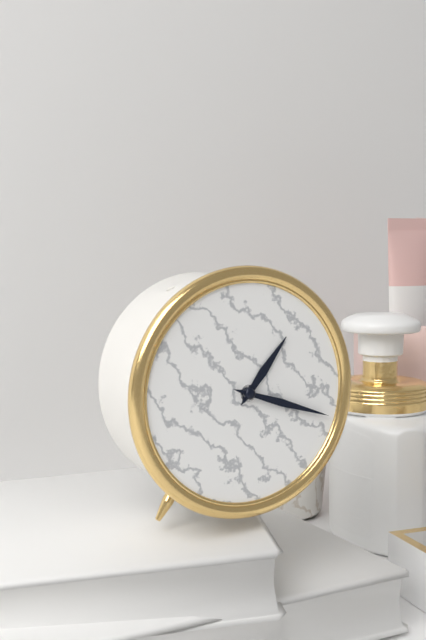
{"hour": 1, "minute": 18}
